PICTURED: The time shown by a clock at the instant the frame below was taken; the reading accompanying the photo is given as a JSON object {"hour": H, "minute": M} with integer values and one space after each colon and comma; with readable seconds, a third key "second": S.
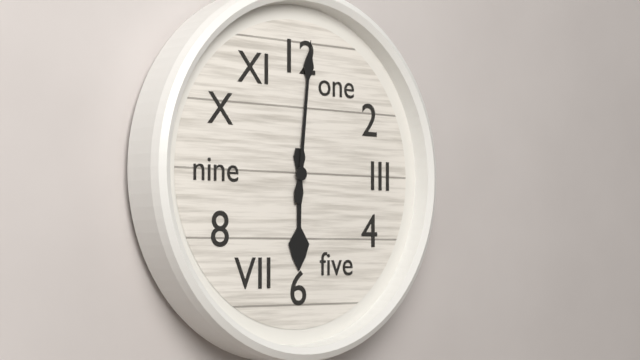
{"hour": 6, "minute": 1}
